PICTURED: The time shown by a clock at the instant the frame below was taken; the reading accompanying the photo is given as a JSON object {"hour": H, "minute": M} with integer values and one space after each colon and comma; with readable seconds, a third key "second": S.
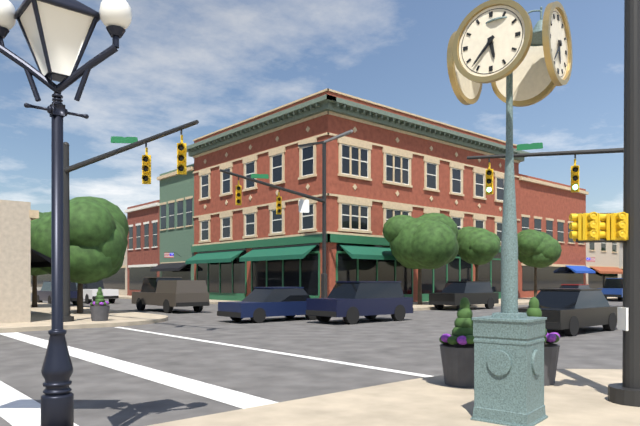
{"hour": 5, "minute": 37}
